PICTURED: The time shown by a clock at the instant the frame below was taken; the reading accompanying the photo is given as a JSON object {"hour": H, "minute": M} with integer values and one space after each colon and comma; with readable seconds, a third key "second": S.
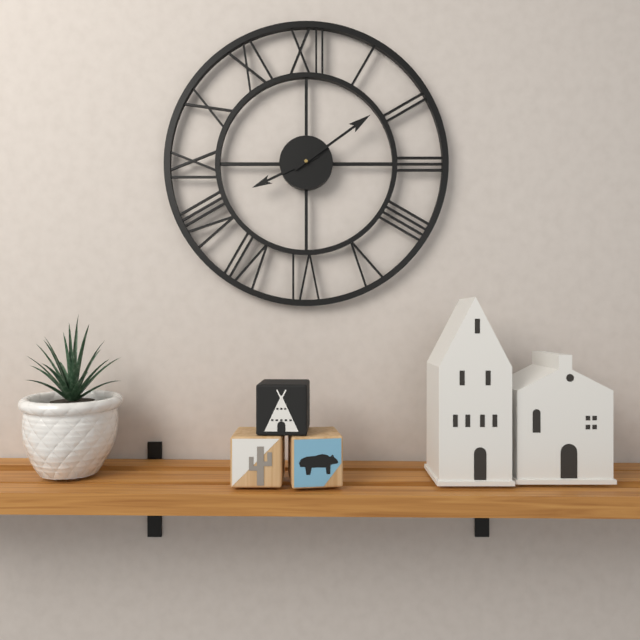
{"hour": 8, "minute": 9}
